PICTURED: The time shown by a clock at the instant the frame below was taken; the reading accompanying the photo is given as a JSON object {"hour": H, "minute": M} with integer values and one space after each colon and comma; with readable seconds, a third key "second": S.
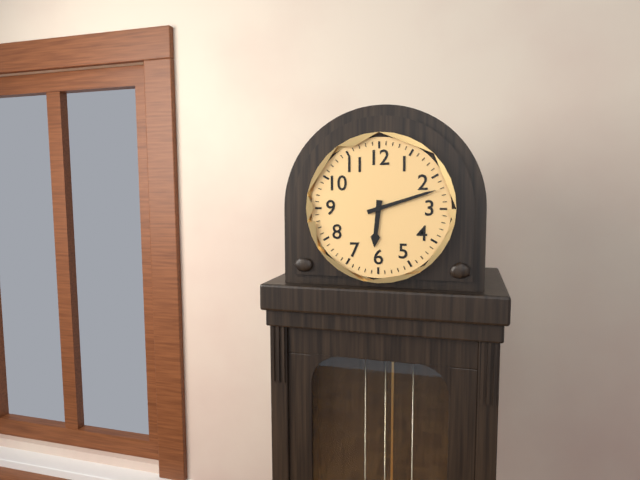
{"hour": 6, "minute": 12}
